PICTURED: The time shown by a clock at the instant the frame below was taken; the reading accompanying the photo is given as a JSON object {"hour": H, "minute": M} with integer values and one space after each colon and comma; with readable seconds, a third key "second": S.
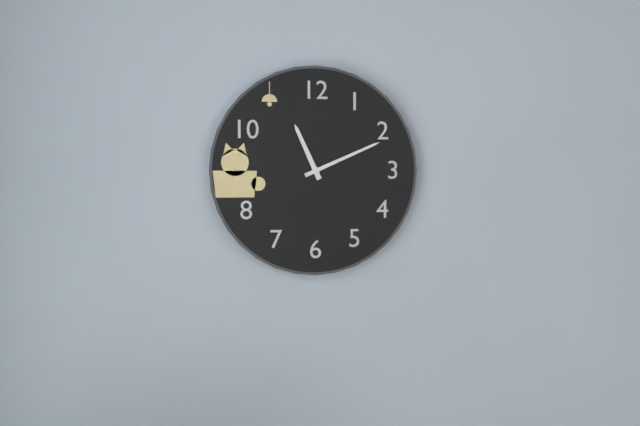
{"hour": 11, "minute": 11}
